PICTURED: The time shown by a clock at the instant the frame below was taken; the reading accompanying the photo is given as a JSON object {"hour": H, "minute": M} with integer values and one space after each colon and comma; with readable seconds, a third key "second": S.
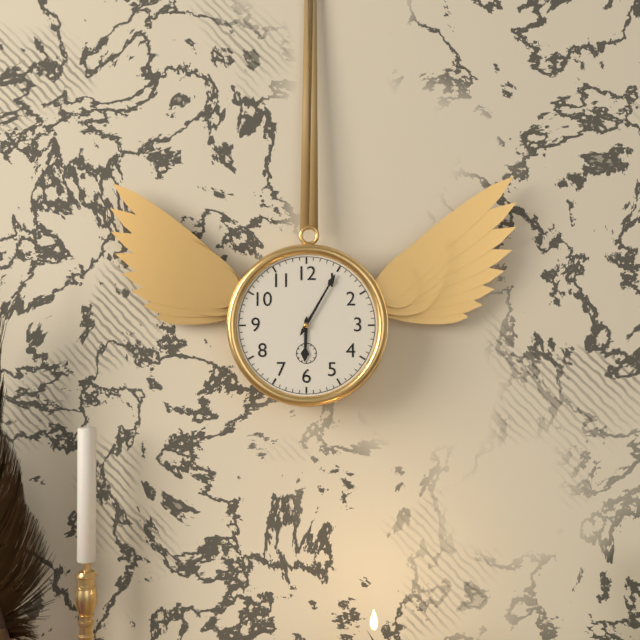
{"hour": 6, "minute": 5}
